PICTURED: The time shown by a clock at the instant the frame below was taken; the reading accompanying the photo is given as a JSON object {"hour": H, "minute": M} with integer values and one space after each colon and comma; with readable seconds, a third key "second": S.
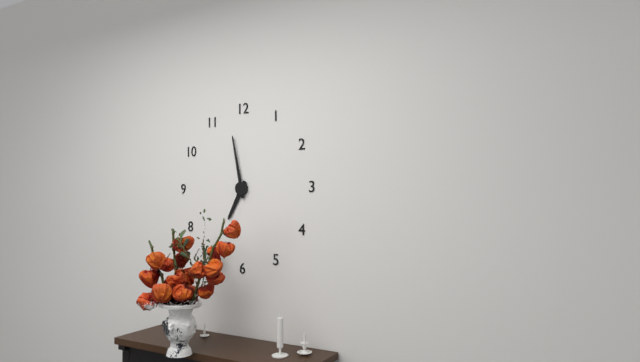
{"hour": 6, "minute": 58}
